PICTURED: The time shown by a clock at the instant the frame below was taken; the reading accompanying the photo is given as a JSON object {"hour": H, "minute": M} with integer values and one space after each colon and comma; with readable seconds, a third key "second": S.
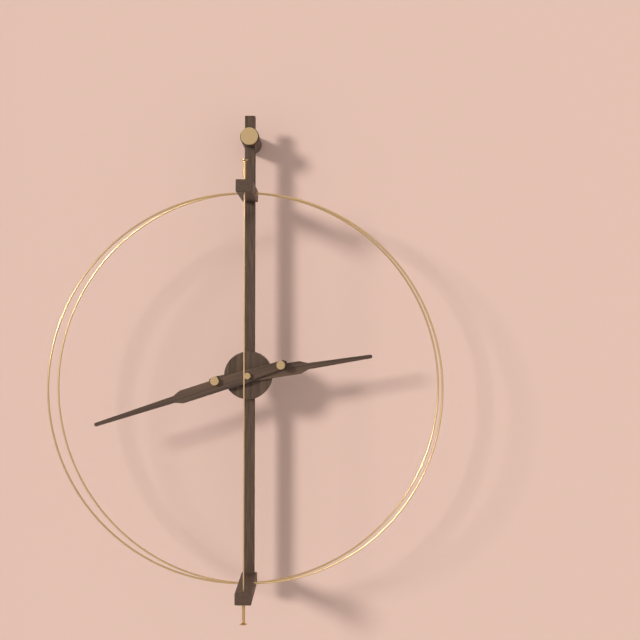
{"hour": 2, "minute": 42}
